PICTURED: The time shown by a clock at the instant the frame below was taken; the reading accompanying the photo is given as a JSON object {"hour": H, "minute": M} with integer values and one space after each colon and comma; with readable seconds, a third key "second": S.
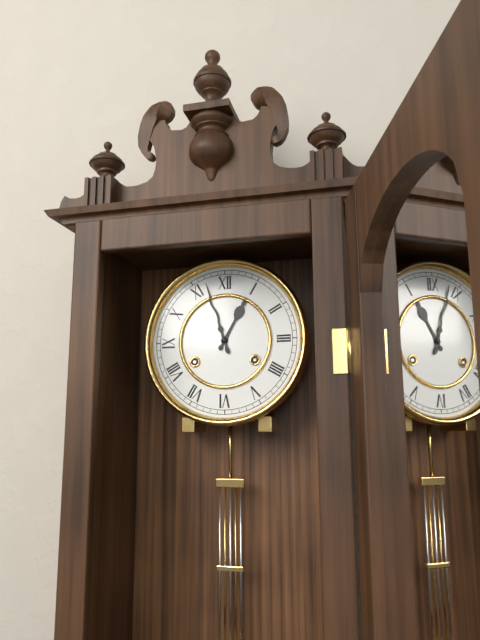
{"hour": 12, "minute": 57}
